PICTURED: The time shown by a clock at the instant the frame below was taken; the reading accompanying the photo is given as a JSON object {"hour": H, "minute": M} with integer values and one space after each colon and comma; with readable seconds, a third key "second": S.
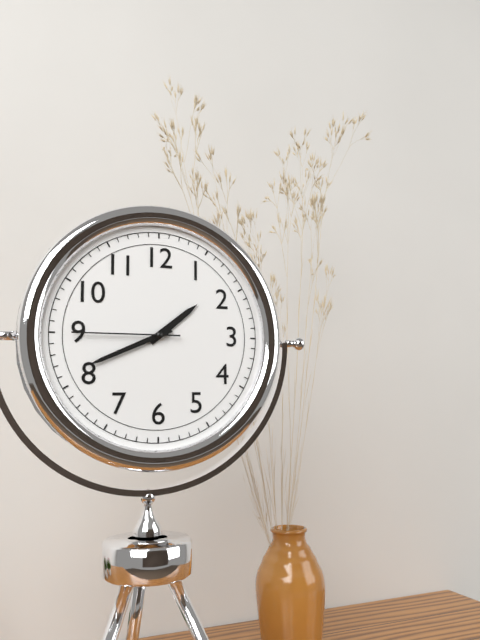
{"hour": 1, "minute": 41, "second": 45}
